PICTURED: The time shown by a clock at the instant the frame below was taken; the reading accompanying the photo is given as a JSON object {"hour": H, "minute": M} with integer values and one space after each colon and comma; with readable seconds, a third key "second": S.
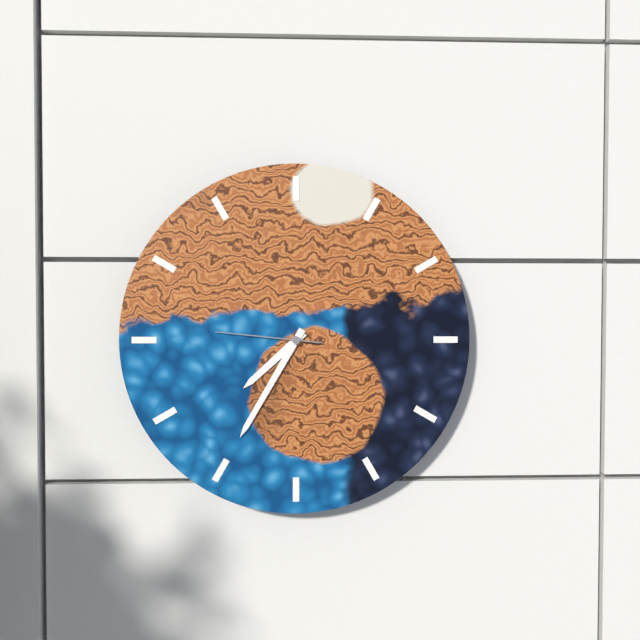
{"hour": 7, "minute": 35, "second": 46}
